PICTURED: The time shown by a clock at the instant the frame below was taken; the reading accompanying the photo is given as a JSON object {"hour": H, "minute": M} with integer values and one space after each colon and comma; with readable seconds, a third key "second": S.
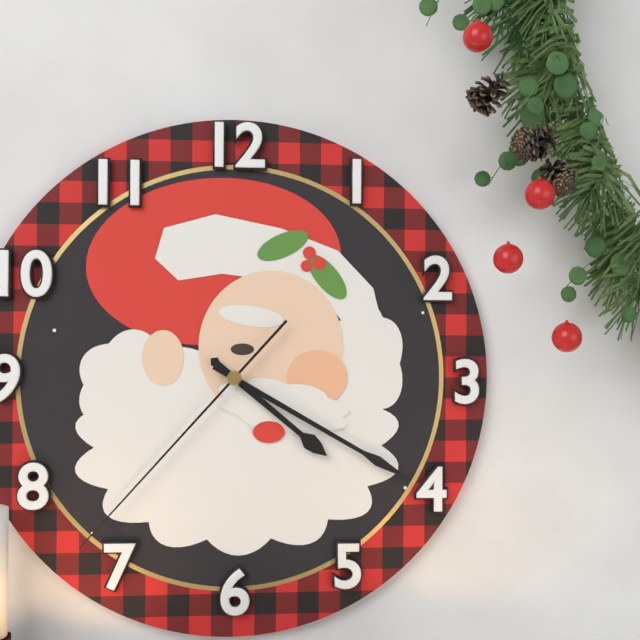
{"hour": 4, "minute": 20, "second": 37}
